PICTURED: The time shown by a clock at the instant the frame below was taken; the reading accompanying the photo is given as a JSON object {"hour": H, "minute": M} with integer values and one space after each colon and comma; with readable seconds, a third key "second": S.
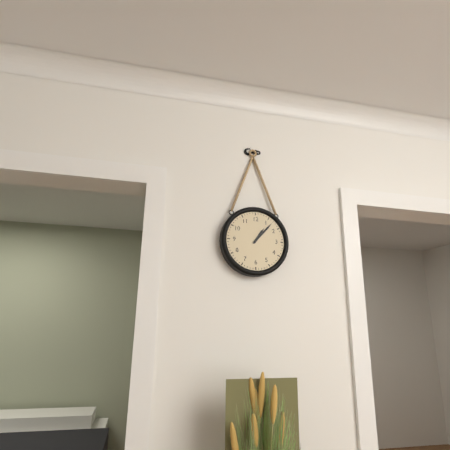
{"hour": 1, "minute": 7}
